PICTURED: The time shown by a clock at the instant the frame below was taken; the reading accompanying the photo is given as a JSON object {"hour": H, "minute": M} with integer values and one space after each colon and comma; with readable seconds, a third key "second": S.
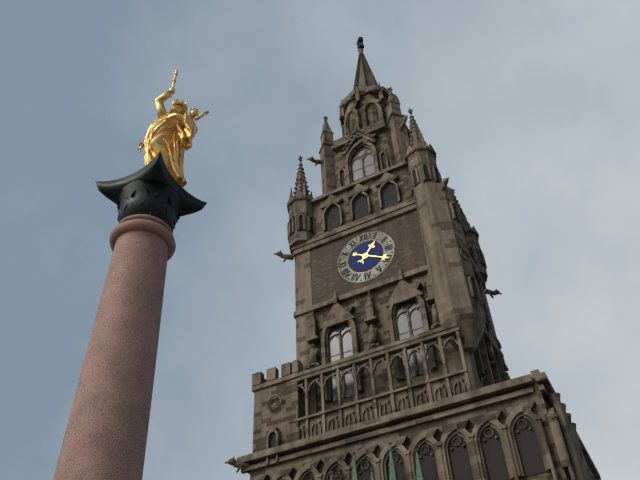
{"hour": 1, "minute": 20}
